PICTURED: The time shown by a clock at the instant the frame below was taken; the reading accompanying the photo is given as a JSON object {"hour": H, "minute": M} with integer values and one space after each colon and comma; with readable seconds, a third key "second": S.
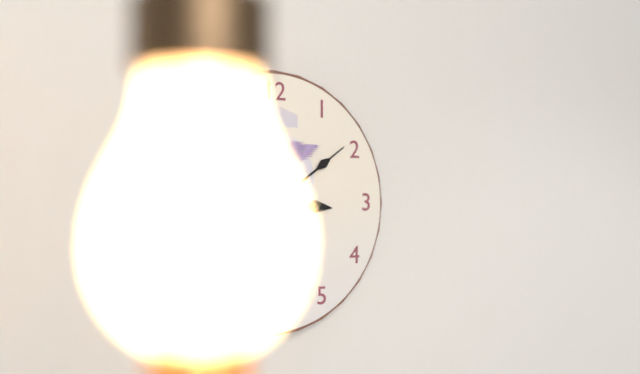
{"hour": 3, "minute": 9}
